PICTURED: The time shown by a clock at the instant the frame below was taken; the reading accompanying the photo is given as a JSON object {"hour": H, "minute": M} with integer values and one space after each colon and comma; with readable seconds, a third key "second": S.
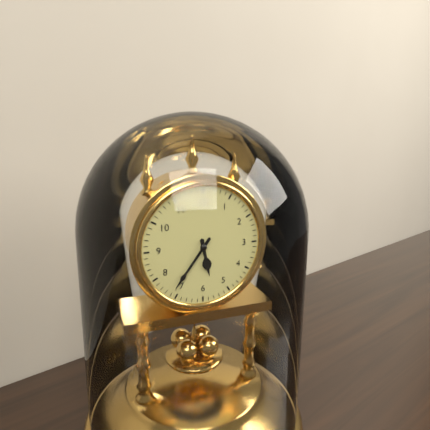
{"hour": 5, "minute": 36}
